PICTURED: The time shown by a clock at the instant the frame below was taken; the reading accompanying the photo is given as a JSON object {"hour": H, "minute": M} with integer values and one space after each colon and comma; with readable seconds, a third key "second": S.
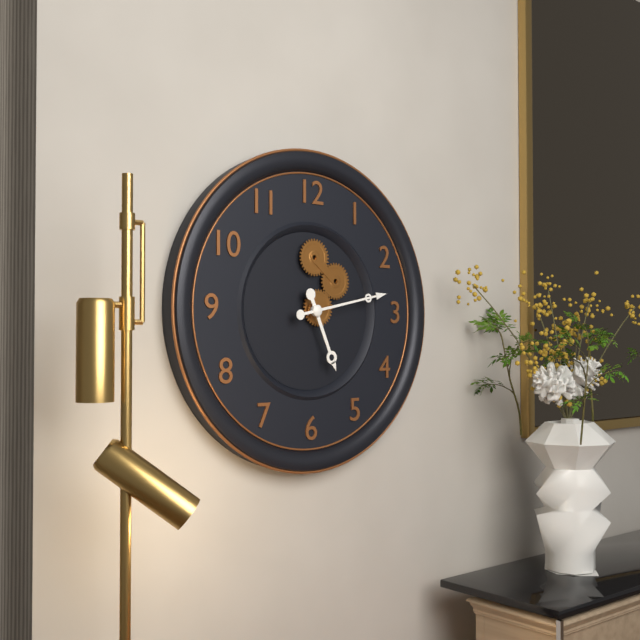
{"hour": 5, "minute": 13}
